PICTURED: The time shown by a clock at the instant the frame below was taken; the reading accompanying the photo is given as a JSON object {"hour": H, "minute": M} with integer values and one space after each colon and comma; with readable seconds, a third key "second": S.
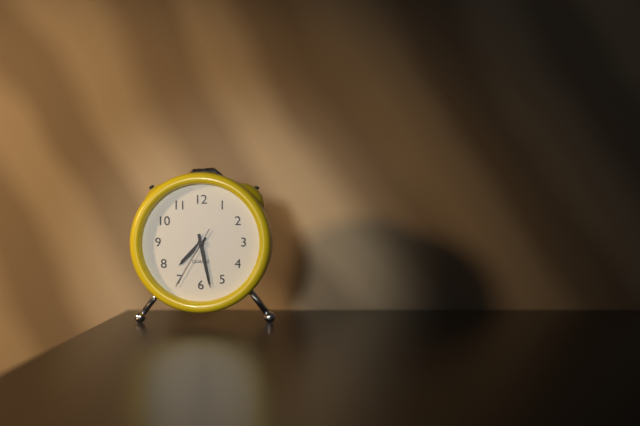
{"hour": 7, "minute": 28, "second": 35}
